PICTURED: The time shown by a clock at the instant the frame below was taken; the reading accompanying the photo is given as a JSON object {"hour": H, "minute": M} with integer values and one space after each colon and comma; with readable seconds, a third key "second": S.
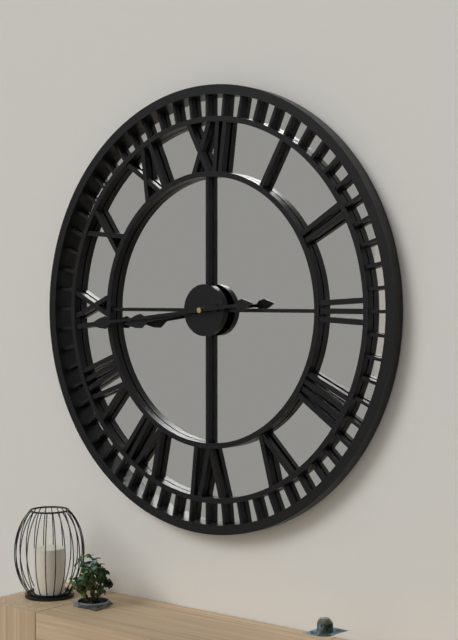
{"hour": 8, "minute": 44}
